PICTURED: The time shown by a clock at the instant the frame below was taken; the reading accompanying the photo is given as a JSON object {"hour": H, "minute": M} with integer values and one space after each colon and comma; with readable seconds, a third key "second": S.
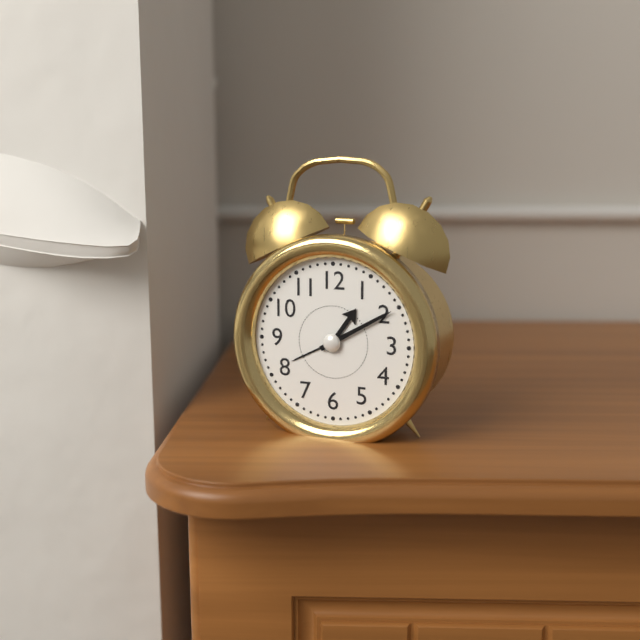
{"hour": 1, "minute": 10}
